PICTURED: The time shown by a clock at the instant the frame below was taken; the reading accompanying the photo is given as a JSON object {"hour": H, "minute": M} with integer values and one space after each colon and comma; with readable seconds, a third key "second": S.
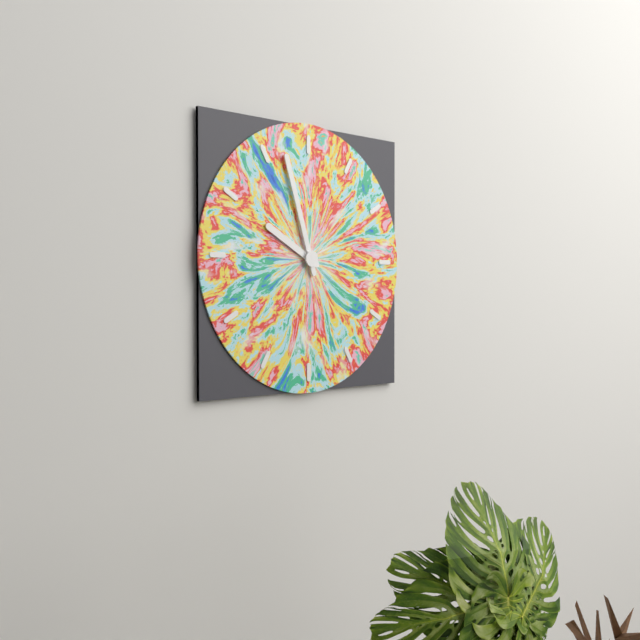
{"hour": 9, "minute": 57}
